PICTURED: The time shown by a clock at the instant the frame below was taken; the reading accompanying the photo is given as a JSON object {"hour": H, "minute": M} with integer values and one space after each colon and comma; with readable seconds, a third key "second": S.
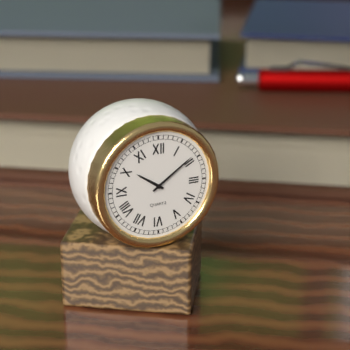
{"hour": 10, "minute": 9}
